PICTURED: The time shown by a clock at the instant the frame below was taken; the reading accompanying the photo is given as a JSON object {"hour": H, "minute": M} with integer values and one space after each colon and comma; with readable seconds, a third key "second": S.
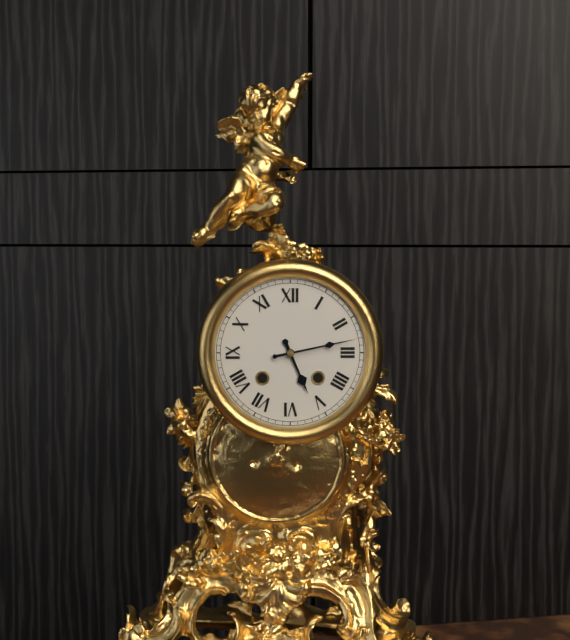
{"hour": 5, "minute": 13}
